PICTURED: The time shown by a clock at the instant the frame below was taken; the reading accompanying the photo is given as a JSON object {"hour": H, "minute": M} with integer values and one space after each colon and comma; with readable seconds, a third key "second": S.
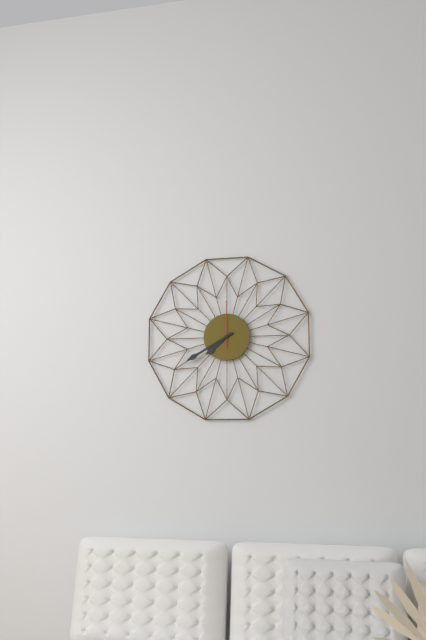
{"hour": 7, "minute": 40}
